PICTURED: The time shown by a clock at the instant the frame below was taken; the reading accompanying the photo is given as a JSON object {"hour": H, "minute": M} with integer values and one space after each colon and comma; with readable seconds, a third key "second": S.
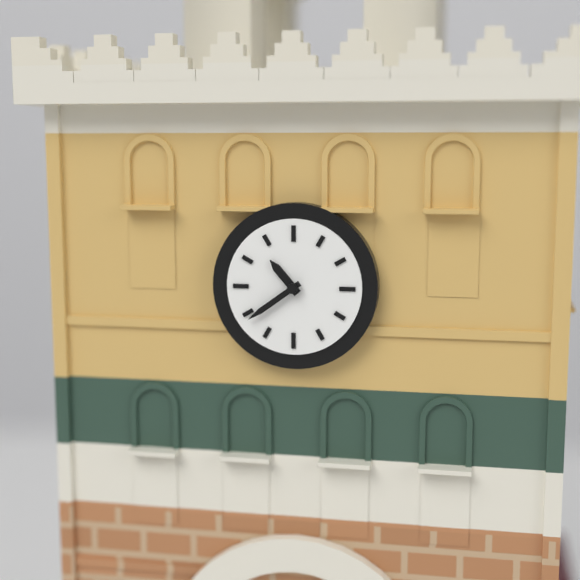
{"hour": 10, "minute": 39}
